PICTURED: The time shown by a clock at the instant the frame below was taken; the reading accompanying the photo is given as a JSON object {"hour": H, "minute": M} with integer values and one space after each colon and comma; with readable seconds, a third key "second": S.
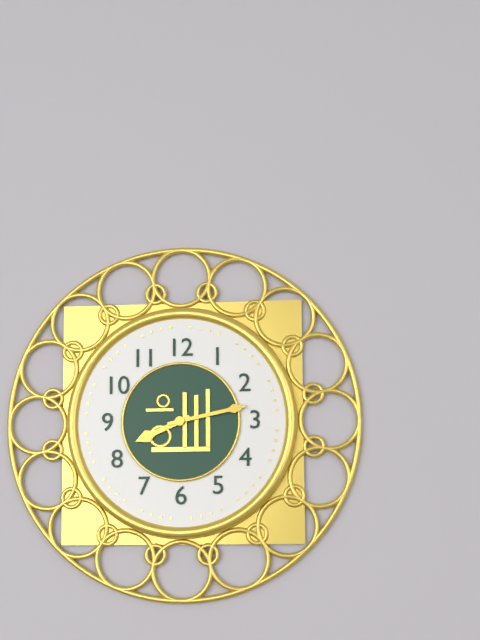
{"hour": 8, "minute": 13}
